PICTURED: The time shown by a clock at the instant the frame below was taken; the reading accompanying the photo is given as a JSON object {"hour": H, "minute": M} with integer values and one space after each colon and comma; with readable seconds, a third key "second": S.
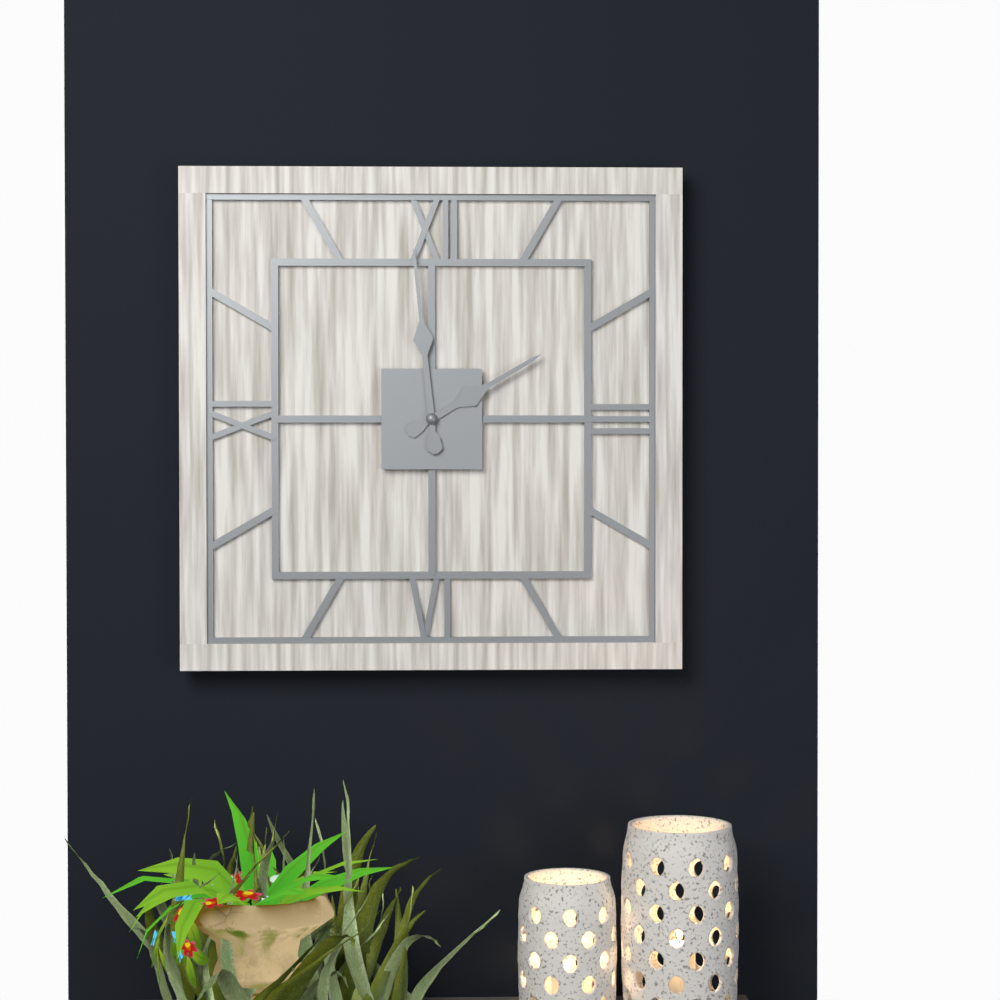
{"hour": 1, "minute": 59}
